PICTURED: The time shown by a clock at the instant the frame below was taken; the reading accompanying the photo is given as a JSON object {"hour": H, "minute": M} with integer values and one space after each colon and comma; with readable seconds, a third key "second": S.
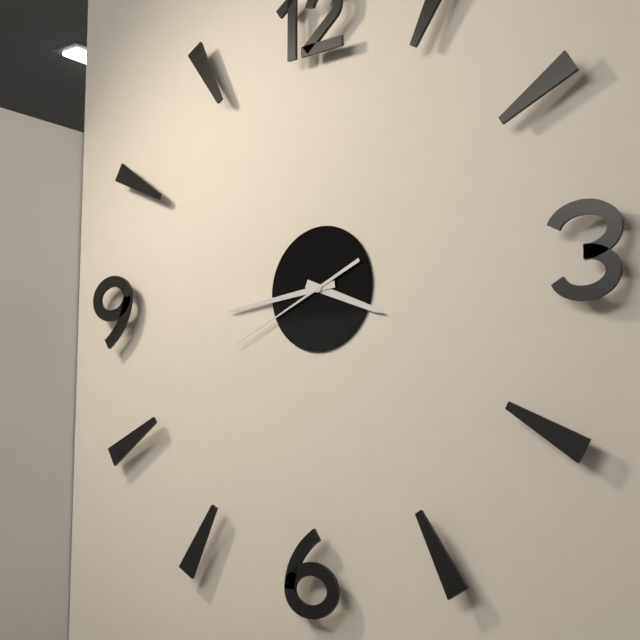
{"hour": 3, "minute": 44, "second": 41}
